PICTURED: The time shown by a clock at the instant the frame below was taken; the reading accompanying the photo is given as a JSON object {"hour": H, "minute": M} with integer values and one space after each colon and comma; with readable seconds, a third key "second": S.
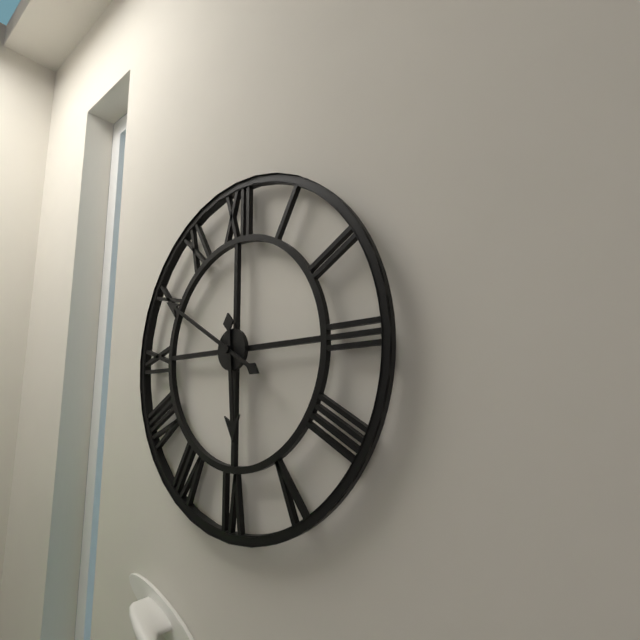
{"hour": 5, "minute": 50}
